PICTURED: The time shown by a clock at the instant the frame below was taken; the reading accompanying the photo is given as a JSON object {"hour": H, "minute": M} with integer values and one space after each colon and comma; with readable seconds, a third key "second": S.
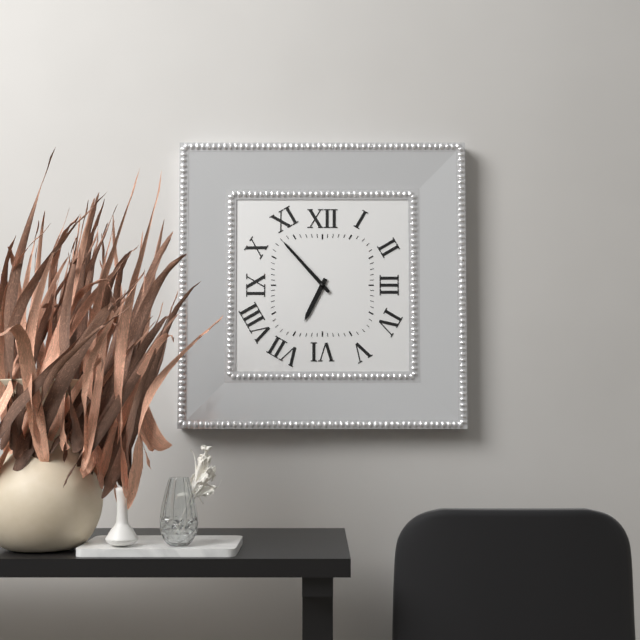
{"hour": 6, "minute": 53}
